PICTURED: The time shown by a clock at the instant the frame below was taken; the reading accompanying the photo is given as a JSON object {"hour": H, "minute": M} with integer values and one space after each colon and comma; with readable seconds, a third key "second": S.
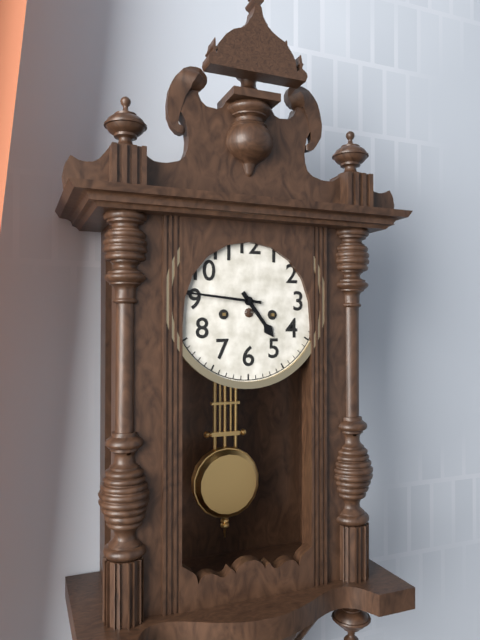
{"hour": 4, "minute": 46}
